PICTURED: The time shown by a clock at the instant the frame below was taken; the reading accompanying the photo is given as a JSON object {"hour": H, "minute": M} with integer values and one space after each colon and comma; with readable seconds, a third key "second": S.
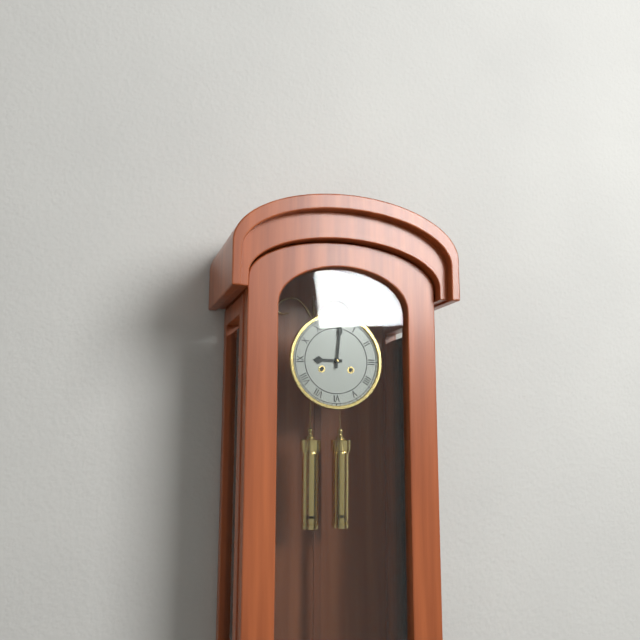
{"hour": 9, "minute": 1}
